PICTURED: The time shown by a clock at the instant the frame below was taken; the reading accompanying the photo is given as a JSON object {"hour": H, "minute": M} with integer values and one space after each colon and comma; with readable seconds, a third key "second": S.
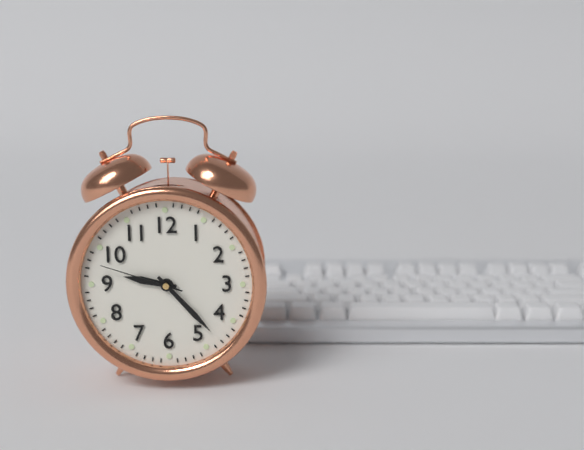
{"hour": 9, "minute": 23, "second": 48}
